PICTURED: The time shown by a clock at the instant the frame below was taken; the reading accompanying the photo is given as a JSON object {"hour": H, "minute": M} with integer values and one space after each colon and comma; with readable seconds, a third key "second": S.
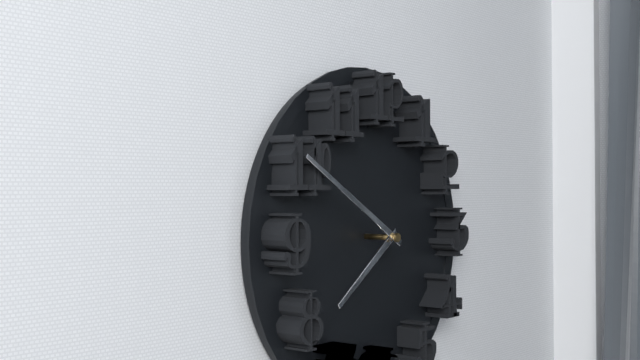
{"hour": 7, "minute": 50}
